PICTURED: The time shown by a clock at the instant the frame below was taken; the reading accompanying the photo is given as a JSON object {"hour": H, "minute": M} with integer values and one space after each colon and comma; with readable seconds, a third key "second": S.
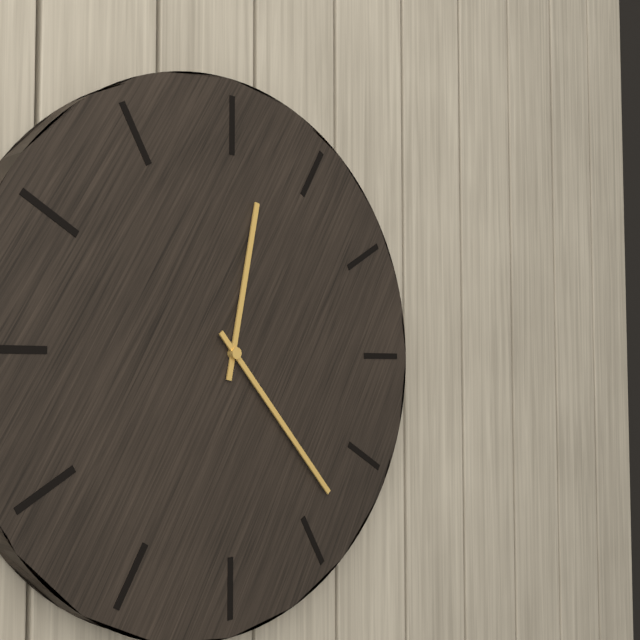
{"hour": 12, "minute": 23}
